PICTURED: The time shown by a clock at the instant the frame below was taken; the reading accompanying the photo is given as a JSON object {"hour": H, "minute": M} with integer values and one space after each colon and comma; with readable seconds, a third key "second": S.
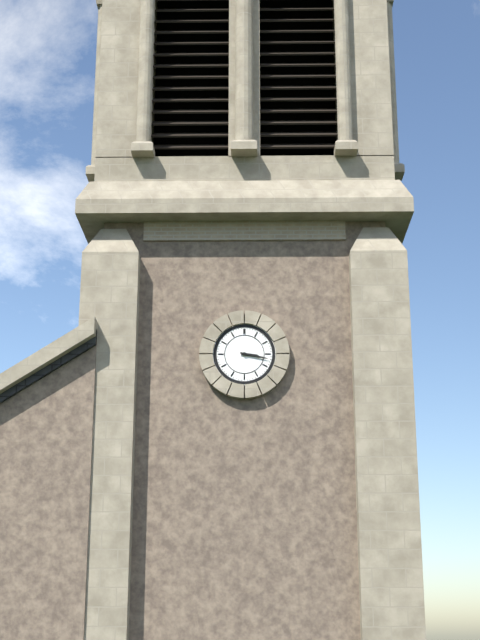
{"hour": 3, "minute": 17}
